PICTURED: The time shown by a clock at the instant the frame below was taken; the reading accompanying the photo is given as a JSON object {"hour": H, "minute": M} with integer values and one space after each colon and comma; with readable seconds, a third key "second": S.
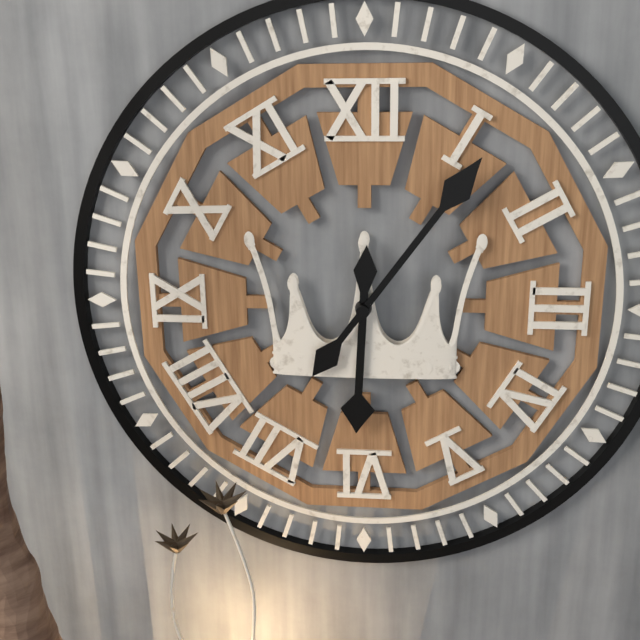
{"hour": 6, "minute": 6}
